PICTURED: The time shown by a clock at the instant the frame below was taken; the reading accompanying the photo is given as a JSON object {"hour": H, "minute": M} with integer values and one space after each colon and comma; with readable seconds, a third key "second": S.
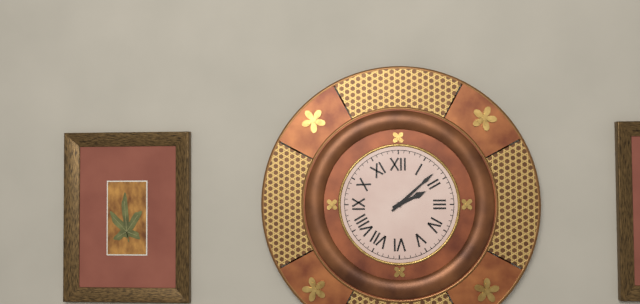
{"hour": 2, "minute": 8}
